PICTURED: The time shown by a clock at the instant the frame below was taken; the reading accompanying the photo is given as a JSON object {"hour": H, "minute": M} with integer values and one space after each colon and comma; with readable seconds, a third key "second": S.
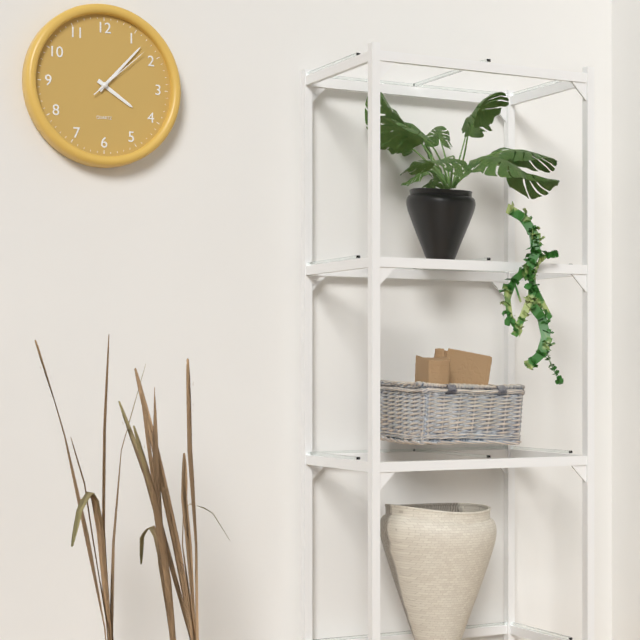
{"hour": 4, "minute": 7, "second": 8}
